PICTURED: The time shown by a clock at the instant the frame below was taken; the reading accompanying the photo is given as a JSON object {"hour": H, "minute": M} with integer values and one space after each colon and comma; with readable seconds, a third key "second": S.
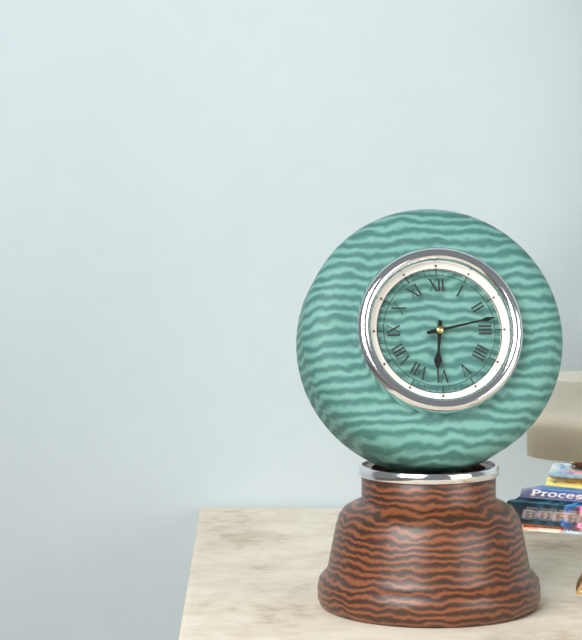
{"hour": 6, "minute": 13}
